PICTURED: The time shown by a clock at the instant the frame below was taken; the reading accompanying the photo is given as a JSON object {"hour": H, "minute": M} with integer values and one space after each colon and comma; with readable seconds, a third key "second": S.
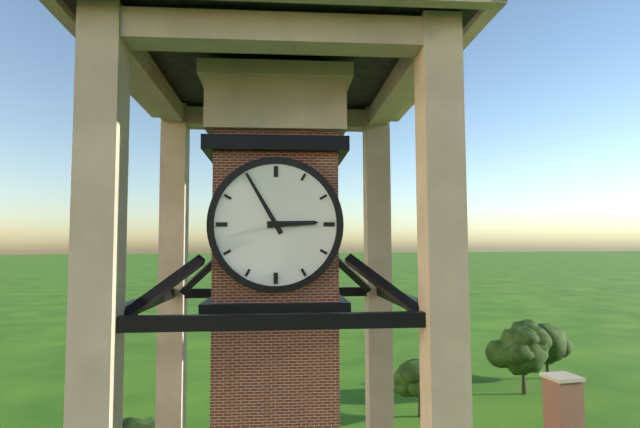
{"hour": 2, "minute": 55}
